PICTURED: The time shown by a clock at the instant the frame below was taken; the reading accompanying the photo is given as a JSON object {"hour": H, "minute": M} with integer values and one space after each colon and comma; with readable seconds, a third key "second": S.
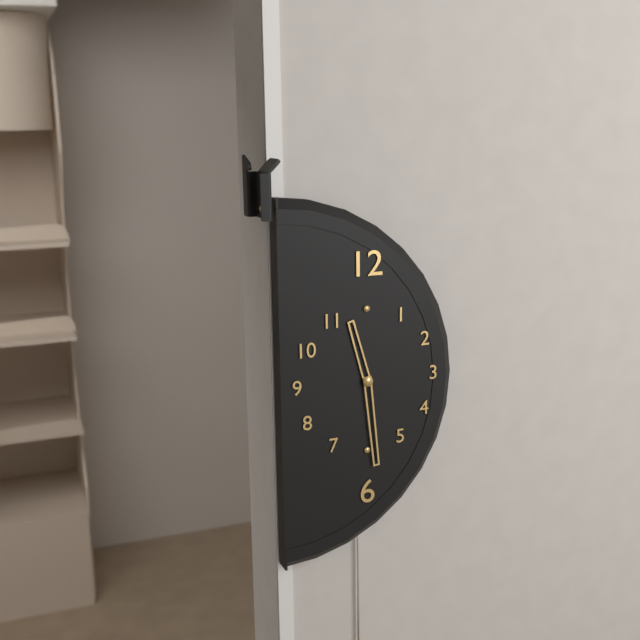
{"hour": 11, "minute": 29}
